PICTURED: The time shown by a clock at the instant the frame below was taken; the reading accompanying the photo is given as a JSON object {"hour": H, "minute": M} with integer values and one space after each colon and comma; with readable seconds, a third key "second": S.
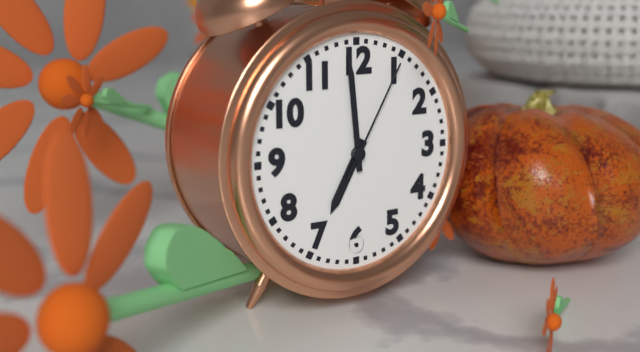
{"hour": 6, "minute": 59, "second": 5}
